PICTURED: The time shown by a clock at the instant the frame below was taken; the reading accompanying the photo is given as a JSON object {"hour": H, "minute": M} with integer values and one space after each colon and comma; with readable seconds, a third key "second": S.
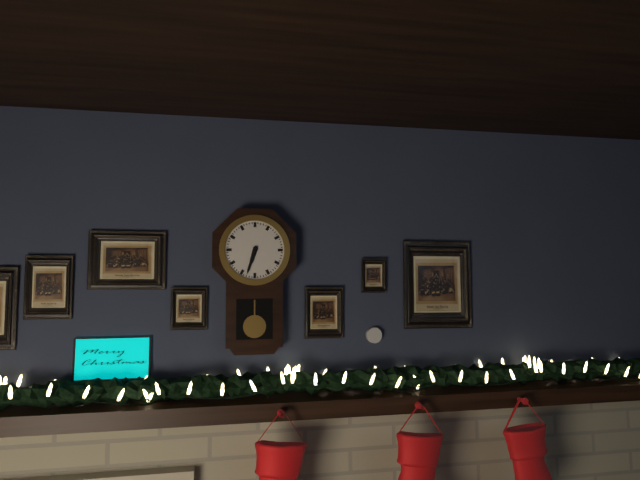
{"hour": 6, "minute": 33}
